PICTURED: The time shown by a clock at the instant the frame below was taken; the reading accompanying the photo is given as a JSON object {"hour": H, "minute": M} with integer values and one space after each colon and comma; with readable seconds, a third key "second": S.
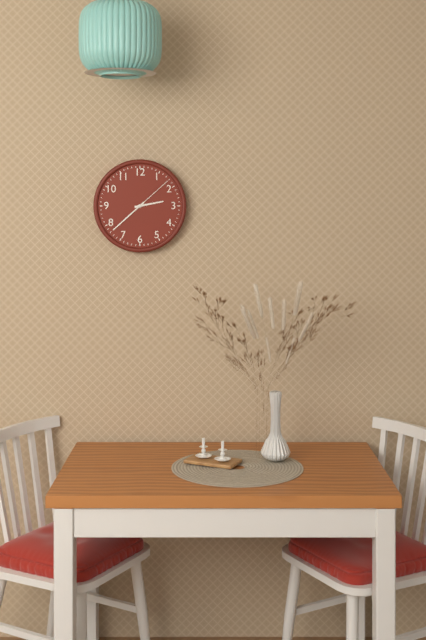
{"hour": 2, "minute": 38}
